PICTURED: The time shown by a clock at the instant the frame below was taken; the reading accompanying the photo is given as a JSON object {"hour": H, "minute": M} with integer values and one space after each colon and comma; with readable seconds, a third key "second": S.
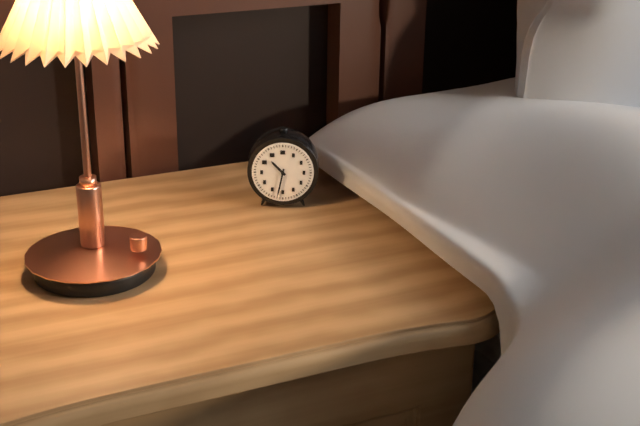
{"hour": 10, "minute": 32}
